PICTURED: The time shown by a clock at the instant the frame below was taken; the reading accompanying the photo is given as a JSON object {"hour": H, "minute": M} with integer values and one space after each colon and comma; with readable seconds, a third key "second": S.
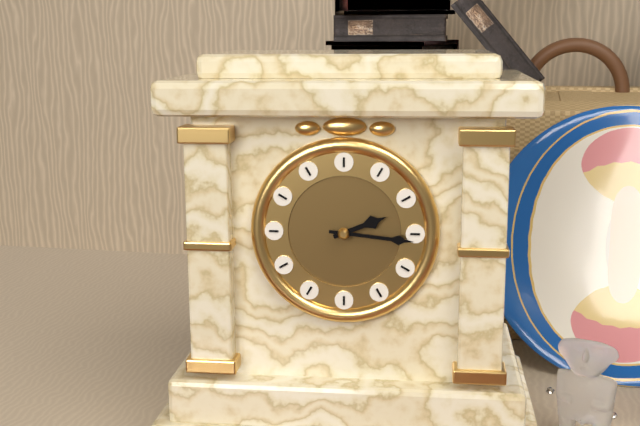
{"hour": 2, "minute": 16}
